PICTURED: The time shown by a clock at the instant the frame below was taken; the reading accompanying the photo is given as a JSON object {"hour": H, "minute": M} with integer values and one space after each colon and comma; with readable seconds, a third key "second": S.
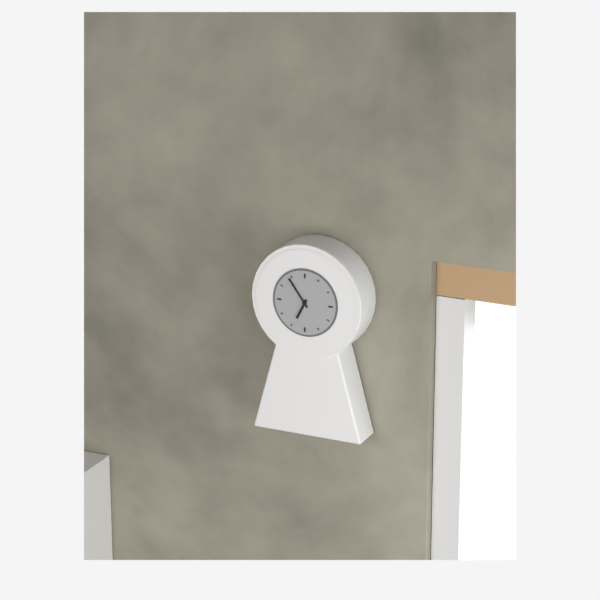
{"hour": 6, "minute": 54}
